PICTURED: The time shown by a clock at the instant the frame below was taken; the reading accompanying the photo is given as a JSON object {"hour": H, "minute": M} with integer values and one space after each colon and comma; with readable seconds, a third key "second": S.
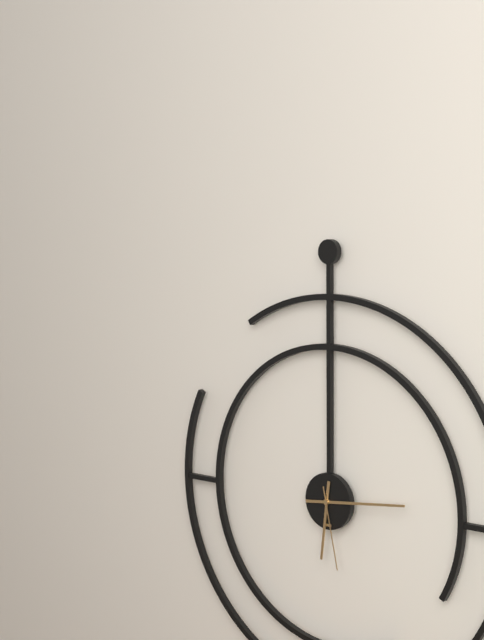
{"hour": 6, "minute": 14, "second": 28}
